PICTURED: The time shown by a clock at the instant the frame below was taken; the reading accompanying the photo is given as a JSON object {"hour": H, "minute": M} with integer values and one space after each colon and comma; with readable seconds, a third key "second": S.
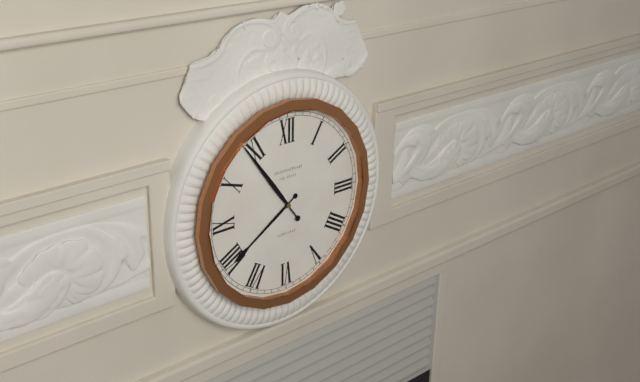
{"hour": 7, "minute": 54}
